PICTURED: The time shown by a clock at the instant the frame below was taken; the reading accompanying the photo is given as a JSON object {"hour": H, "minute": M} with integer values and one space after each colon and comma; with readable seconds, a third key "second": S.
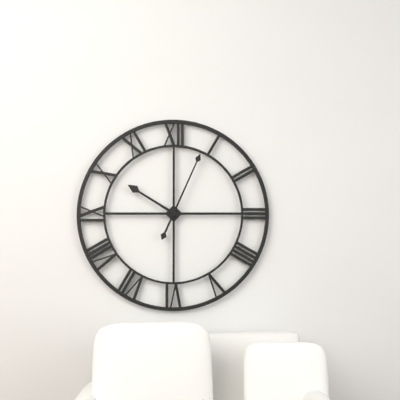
{"hour": 10, "minute": 4}
